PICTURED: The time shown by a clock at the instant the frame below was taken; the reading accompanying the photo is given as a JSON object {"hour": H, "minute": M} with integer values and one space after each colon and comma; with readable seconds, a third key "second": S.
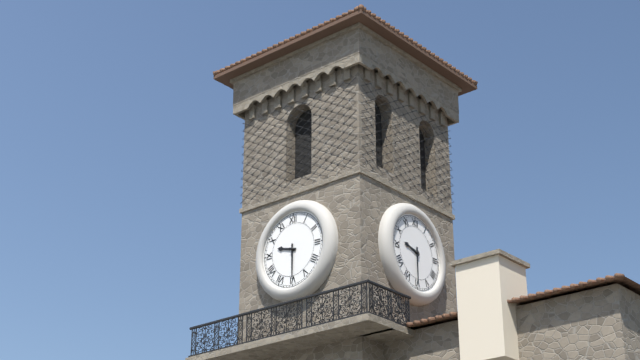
{"hour": 9, "minute": 30}
